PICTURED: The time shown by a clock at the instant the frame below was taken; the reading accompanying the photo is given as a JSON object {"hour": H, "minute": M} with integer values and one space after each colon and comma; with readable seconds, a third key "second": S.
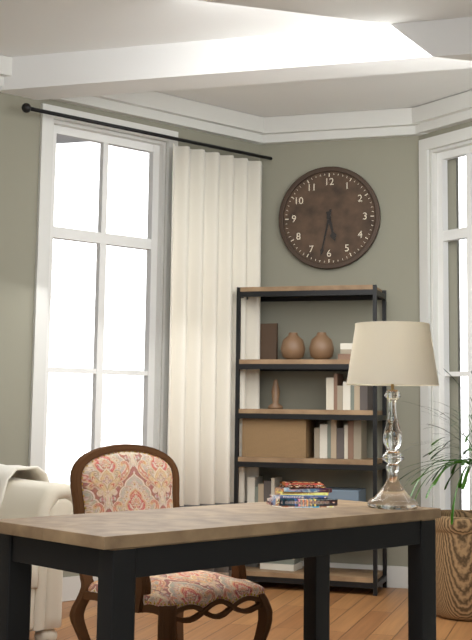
{"hour": 5, "minute": 32}
